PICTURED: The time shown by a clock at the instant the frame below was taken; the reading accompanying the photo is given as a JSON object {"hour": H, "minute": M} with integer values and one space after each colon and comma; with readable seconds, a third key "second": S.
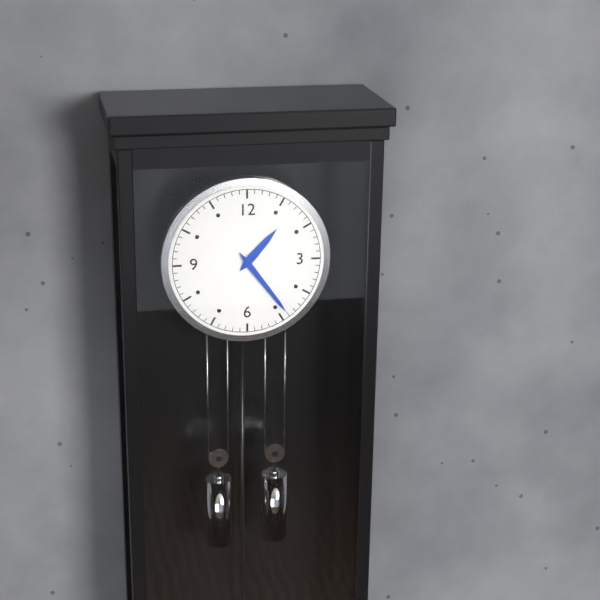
{"hour": 1, "minute": 24}
